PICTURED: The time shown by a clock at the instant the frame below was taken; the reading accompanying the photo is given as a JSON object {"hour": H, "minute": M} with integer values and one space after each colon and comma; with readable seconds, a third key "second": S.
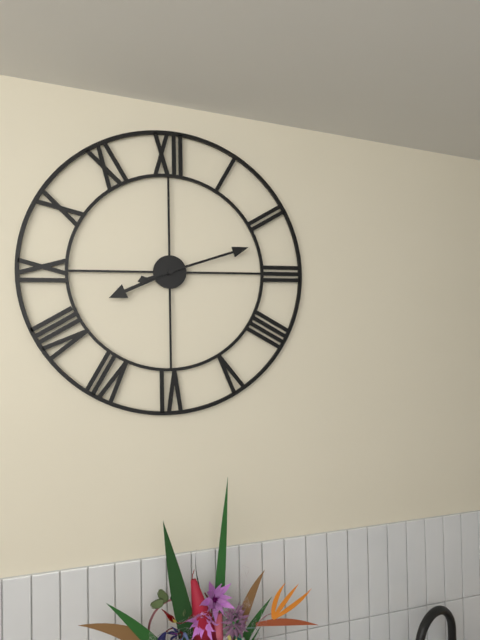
{"hour": 8, "minute": 12}
